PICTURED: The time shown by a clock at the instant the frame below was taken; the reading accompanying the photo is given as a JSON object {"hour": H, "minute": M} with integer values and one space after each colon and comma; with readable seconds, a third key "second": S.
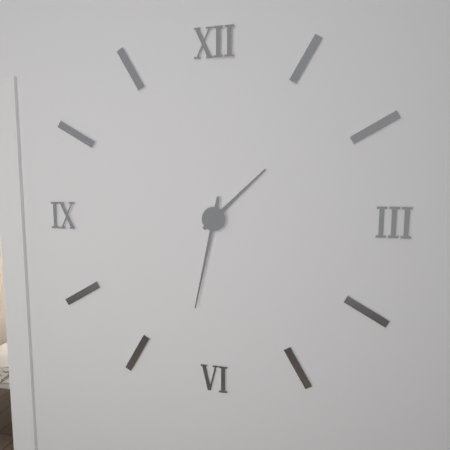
{"hour": 1, "minute": 32}
